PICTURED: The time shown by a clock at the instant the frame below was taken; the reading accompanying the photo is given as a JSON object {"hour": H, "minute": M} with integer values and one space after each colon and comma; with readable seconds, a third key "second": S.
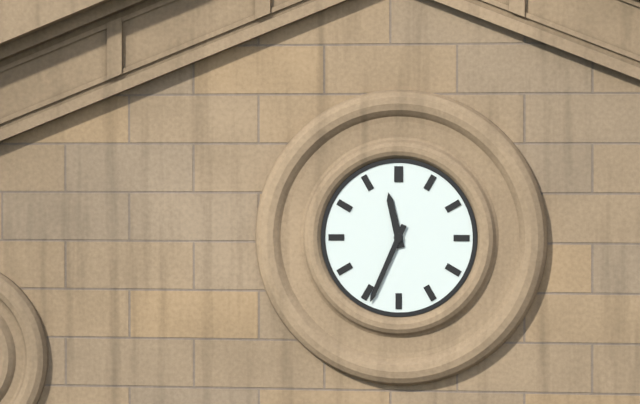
{"hour": 11, "minute": 34}
